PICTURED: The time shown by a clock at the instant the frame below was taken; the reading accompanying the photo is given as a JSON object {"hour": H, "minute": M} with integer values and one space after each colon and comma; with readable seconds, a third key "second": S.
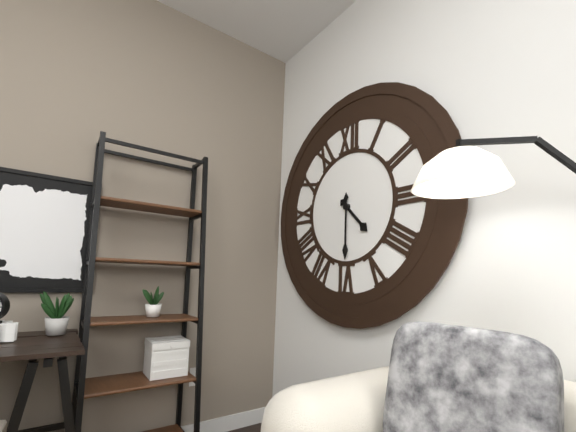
{"hour": 4, "minute": 30}
